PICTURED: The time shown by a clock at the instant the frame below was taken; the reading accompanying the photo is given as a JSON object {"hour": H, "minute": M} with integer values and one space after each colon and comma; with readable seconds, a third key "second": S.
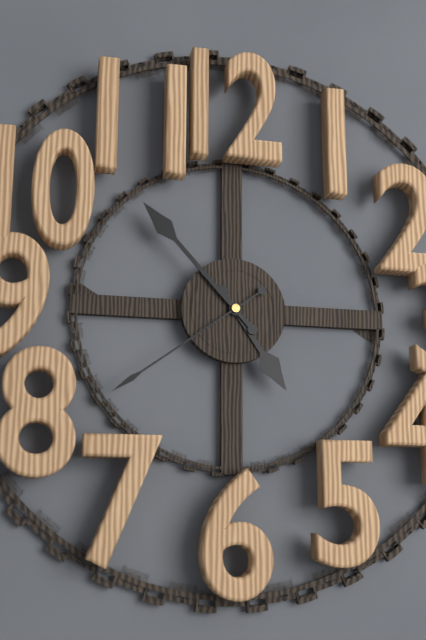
{"hour": 4, "minute": 53, "second": 39}
